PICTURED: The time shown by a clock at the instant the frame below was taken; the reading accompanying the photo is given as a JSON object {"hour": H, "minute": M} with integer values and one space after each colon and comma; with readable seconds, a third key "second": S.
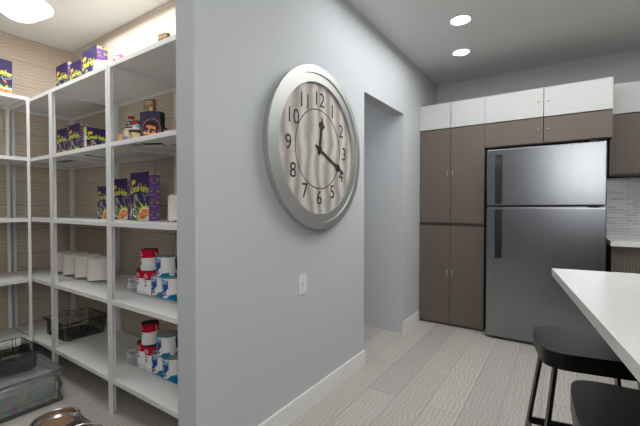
{"hour": 12, "minute": 19}
